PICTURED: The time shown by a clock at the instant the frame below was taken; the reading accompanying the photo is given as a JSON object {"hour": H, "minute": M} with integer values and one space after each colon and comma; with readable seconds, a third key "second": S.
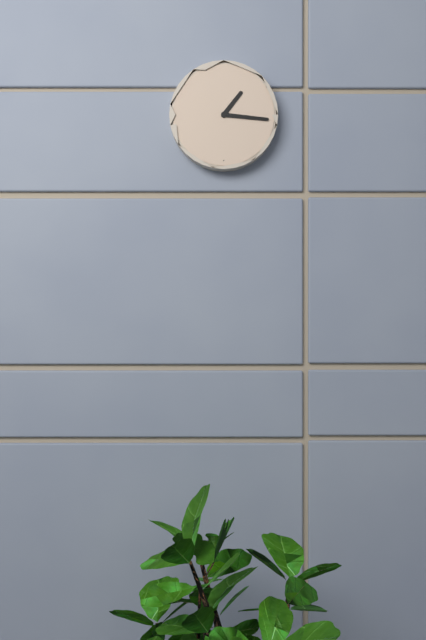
{"hour": 1, "minute": 16}
